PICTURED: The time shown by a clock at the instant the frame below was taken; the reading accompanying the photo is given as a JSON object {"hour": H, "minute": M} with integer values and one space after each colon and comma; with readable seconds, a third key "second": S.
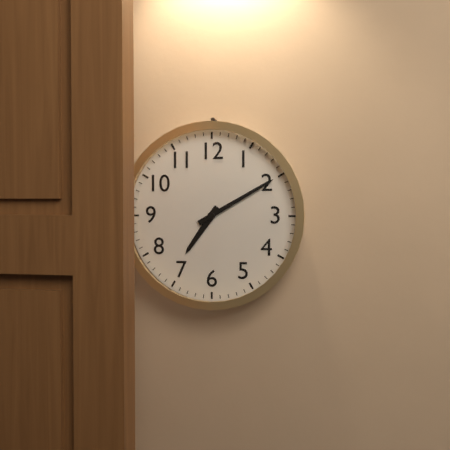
{"hour": 7, "minute": 10}
